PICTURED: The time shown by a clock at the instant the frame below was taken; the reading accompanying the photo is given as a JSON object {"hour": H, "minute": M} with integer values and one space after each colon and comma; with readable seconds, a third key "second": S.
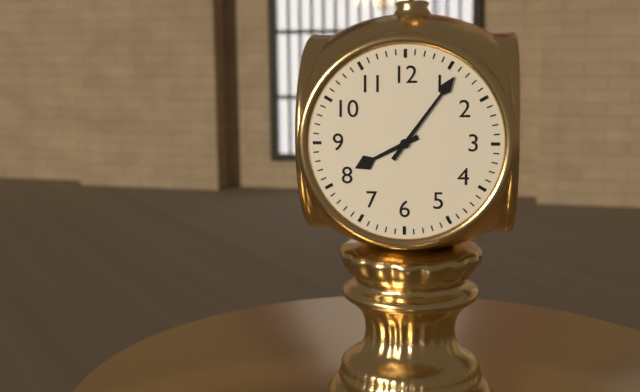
{"hour": 8, "minute": 6}
